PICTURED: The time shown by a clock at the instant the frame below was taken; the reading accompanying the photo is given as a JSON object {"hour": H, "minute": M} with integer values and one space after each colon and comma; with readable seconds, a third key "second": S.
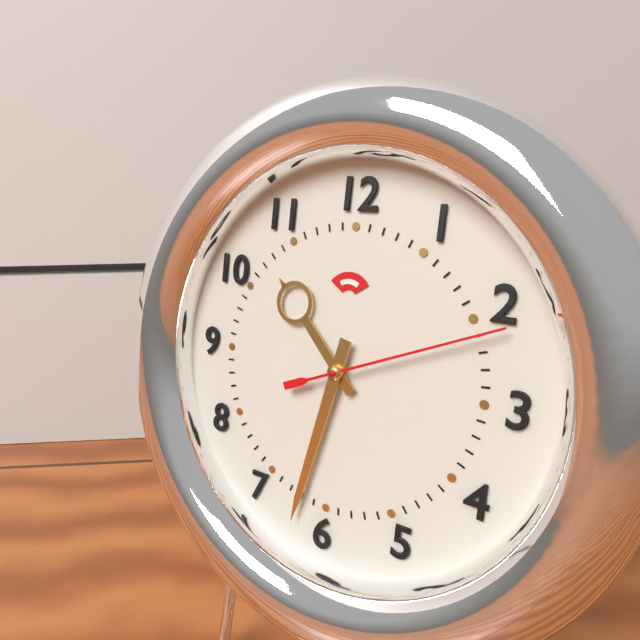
{"hour": 10, "minute": 32, "second": 11}
